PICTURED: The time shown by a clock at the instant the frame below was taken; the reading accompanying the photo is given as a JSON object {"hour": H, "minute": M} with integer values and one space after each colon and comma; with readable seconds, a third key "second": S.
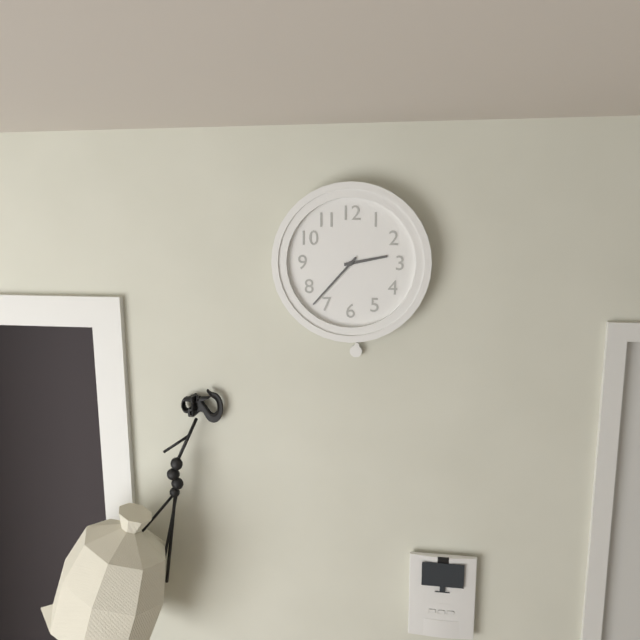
{"hour": 2, "minute": 37}
